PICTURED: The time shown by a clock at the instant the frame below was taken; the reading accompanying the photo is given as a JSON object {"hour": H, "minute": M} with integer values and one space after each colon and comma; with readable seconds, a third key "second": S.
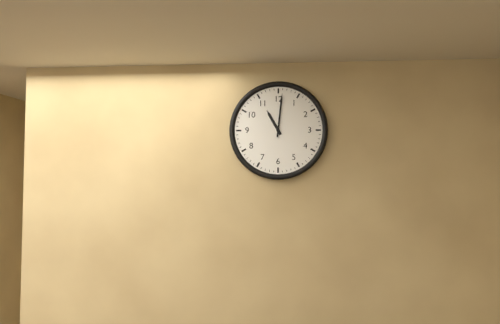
{"hour": 11, "minute": 1}
